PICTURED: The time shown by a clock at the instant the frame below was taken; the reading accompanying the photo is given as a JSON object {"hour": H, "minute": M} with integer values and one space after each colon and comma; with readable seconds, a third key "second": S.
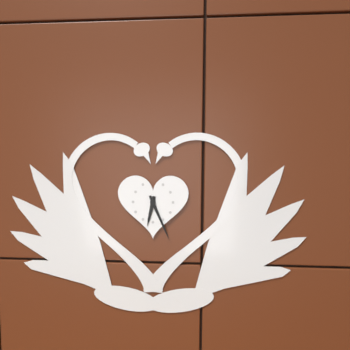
{"hour": 6, "minute": 26}
